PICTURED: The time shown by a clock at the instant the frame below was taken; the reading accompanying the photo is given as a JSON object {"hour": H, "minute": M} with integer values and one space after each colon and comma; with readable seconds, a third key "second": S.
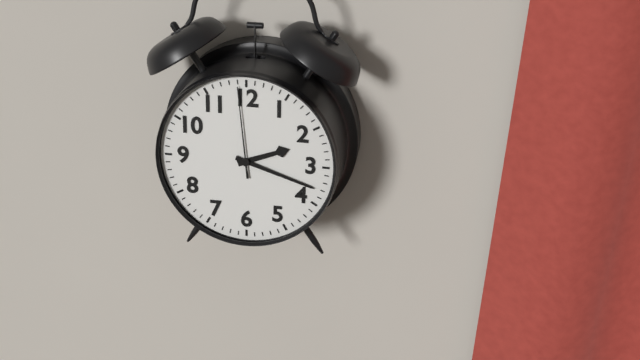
{"hour": 2, "minute": 18, "second": 59}
